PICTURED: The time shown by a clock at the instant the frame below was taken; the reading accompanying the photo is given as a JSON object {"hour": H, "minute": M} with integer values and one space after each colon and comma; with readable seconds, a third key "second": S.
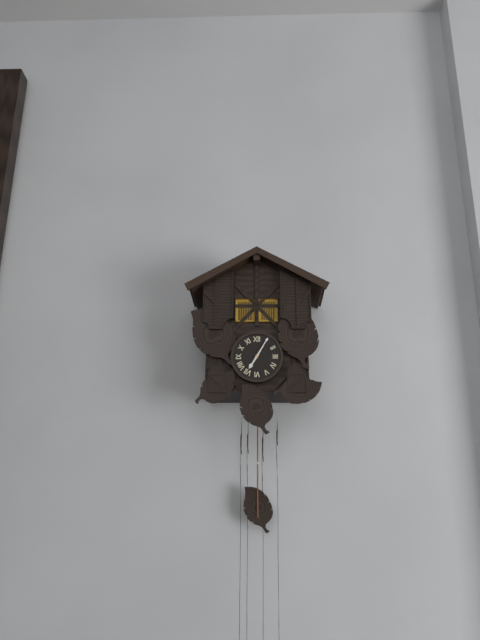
{"hour": 7, "minute": 5}
